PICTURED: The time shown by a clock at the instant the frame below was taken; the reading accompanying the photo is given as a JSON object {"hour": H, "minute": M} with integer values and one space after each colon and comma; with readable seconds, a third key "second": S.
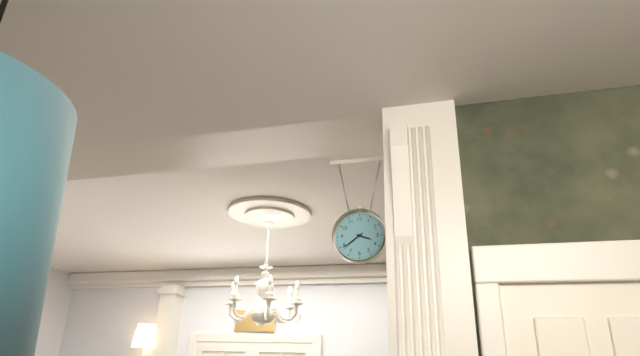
{"hour": 3, "minute": 39}
